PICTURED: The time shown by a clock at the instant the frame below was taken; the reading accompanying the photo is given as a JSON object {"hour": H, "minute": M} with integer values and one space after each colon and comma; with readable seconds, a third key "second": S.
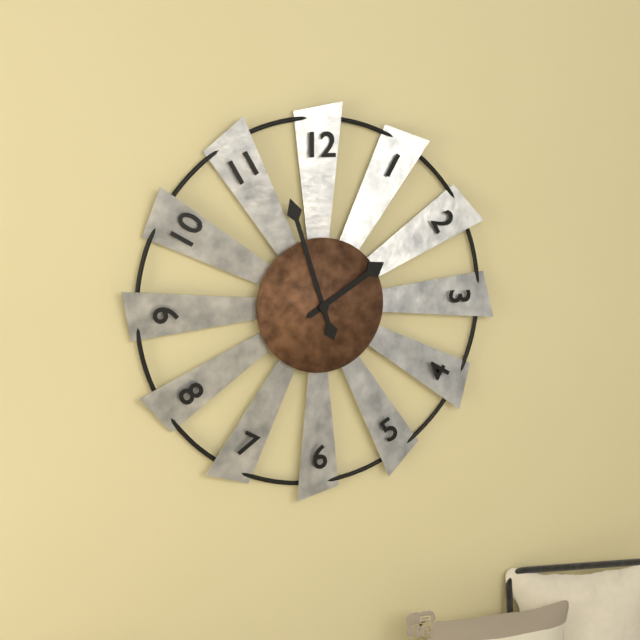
{"hour": 1, "minute": 57}
